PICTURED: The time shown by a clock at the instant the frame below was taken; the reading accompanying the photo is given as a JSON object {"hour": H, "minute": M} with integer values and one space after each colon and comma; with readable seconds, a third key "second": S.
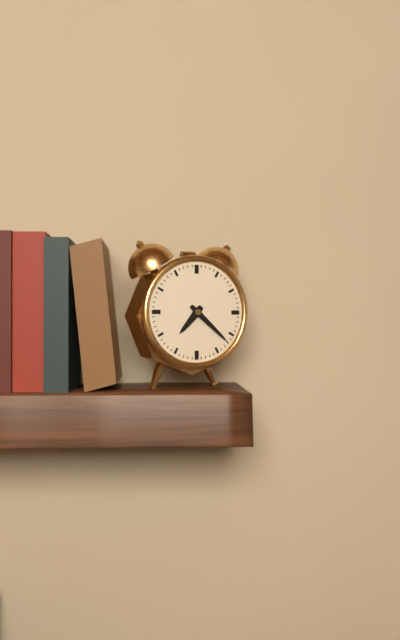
{"hour": 7, "minute": 22}
